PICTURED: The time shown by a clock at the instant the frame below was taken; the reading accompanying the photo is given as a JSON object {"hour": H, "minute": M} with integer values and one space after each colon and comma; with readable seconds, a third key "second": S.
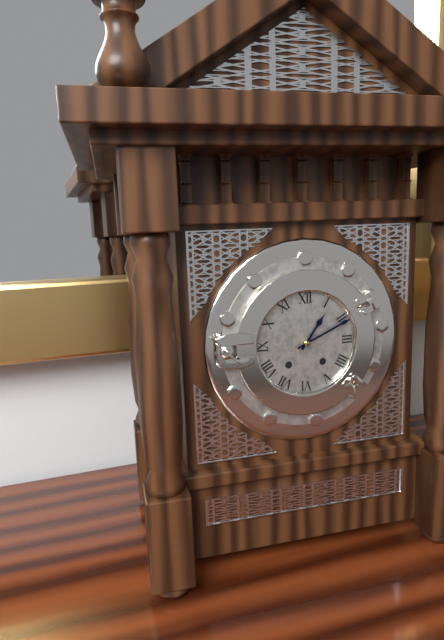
{"hour": 1, "minute": 11}
